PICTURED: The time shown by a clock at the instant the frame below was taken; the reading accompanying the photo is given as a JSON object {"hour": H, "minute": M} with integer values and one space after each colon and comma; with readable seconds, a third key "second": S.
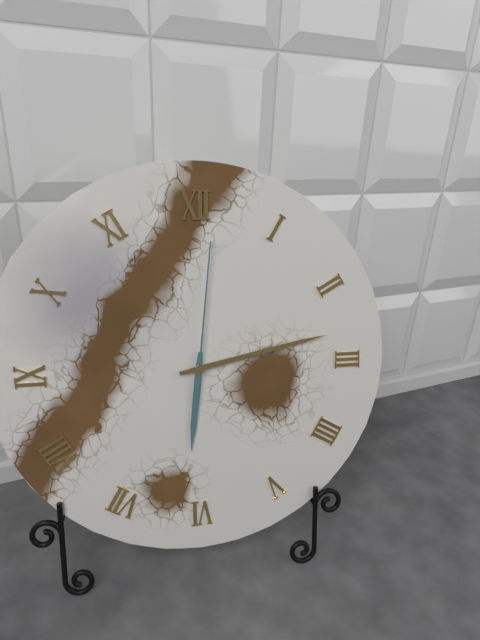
{"hour": 6, "minute": 13, "second": 1}
